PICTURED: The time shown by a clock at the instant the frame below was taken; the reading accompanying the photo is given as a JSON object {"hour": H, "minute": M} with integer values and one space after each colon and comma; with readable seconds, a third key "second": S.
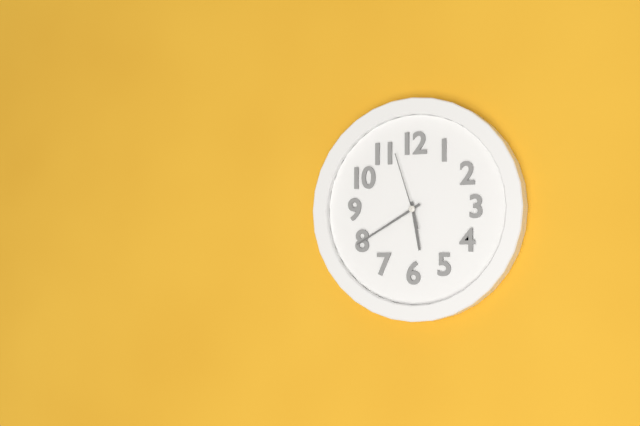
{"hour": 5, "minute": 40, "second": 57}
